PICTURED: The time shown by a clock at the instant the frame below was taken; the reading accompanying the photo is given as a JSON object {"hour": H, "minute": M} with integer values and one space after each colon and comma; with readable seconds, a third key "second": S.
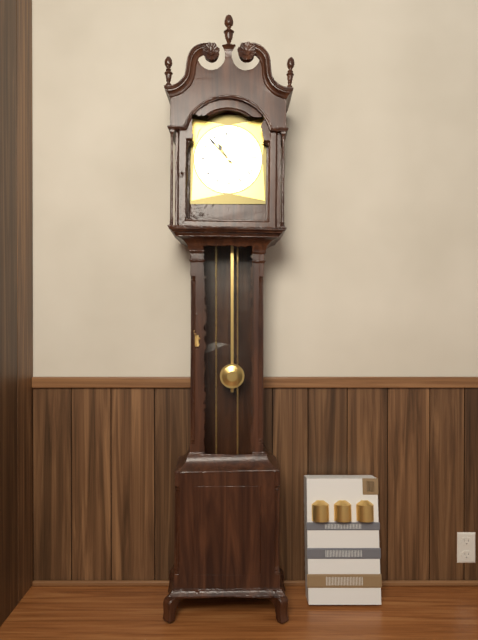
{"hour": 10, "minute": 53}
